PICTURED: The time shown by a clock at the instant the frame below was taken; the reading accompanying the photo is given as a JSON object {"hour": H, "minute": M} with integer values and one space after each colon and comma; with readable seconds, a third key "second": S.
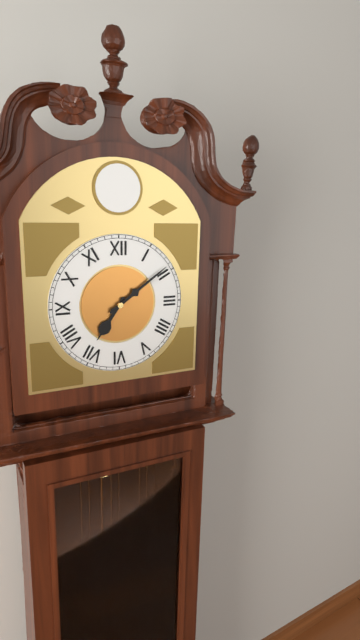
{"hour": 7, "minute": 9}
